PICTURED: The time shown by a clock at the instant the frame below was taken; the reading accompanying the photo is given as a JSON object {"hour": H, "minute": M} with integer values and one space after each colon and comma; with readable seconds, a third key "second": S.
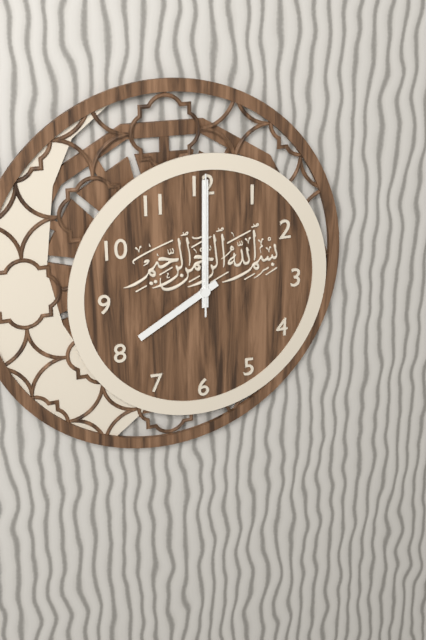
{"hour": 8, "minute": 0, "second": 0}
